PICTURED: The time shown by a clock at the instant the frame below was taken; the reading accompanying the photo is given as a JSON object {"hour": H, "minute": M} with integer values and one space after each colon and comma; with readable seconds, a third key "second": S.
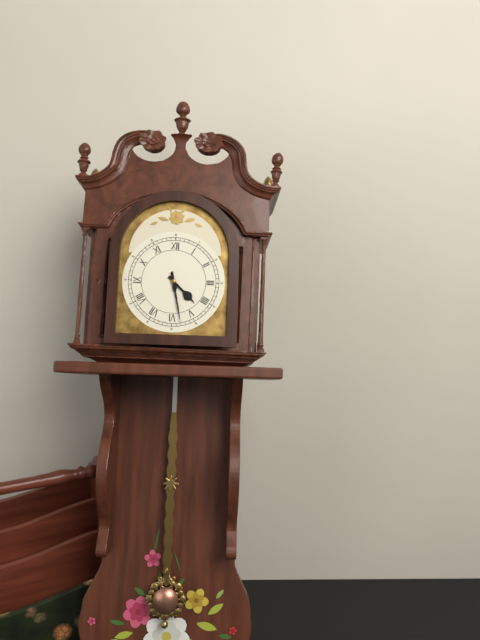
{"hour": 4, "minute": 28}
